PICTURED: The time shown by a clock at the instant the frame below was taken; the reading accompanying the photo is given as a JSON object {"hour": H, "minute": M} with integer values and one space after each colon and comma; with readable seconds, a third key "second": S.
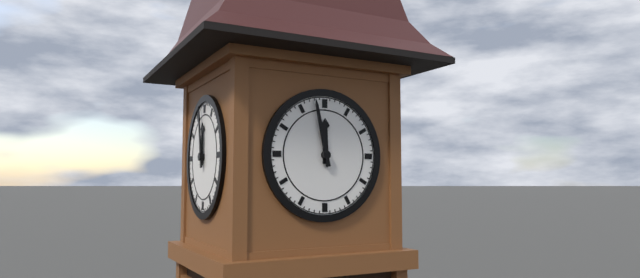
{"hour": 11, "minute": 58}
